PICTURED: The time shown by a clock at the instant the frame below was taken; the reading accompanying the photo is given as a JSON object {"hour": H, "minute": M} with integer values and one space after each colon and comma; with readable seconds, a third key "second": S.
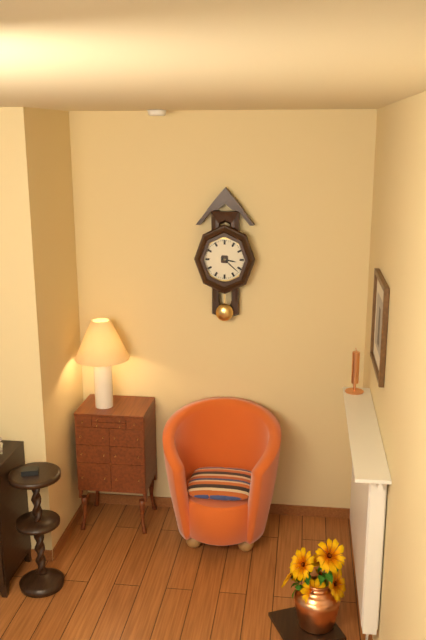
{"hour": 3, "minute": 22}
